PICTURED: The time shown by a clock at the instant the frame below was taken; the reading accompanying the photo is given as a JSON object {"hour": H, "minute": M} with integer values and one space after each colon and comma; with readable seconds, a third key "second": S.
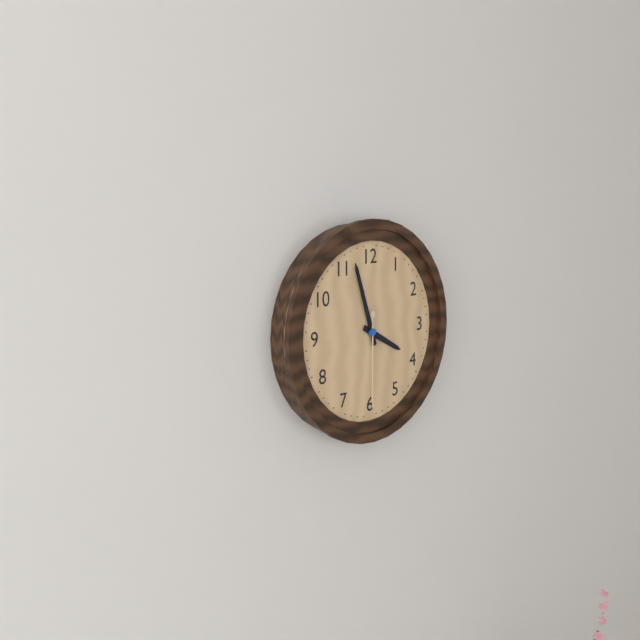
{"hour": 3, "minute": 57, "second": 30}
